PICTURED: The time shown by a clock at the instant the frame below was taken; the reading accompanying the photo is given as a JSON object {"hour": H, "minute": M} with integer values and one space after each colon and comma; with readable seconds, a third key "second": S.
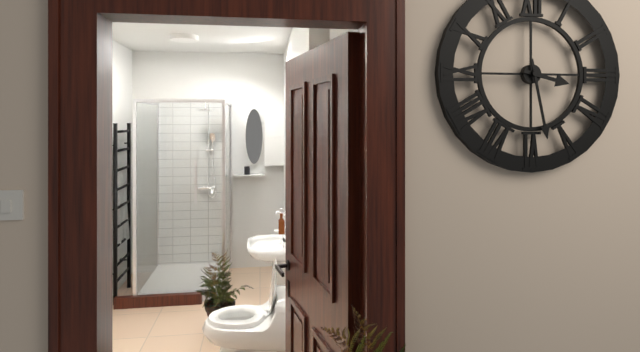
{"hour": 3, "minute": 28}
